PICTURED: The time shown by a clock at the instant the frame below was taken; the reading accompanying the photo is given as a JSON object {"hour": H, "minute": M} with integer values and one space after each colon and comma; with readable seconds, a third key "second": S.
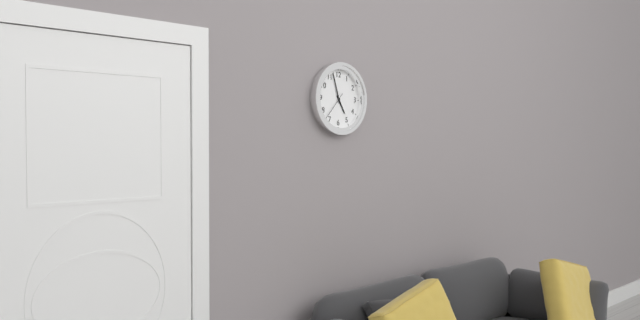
{"hour": 4, "minute": 57}
